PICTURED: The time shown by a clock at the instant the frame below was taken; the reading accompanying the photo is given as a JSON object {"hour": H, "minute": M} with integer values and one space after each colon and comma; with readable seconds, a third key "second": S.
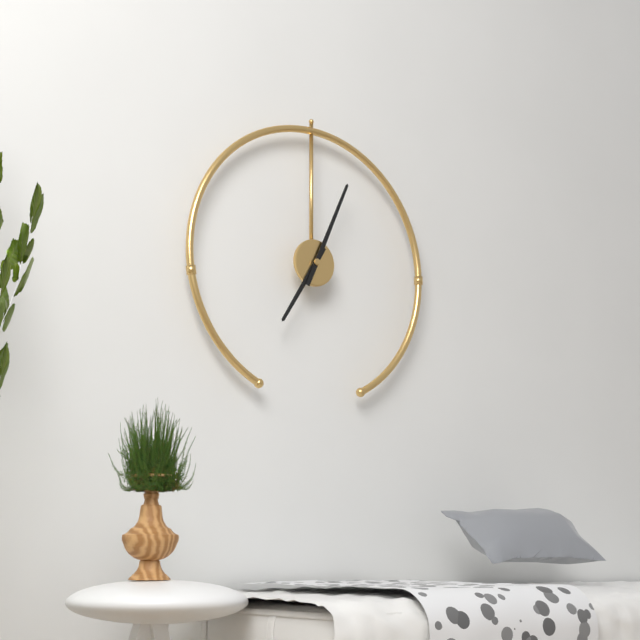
{"hour": 7, "minute": 4}
